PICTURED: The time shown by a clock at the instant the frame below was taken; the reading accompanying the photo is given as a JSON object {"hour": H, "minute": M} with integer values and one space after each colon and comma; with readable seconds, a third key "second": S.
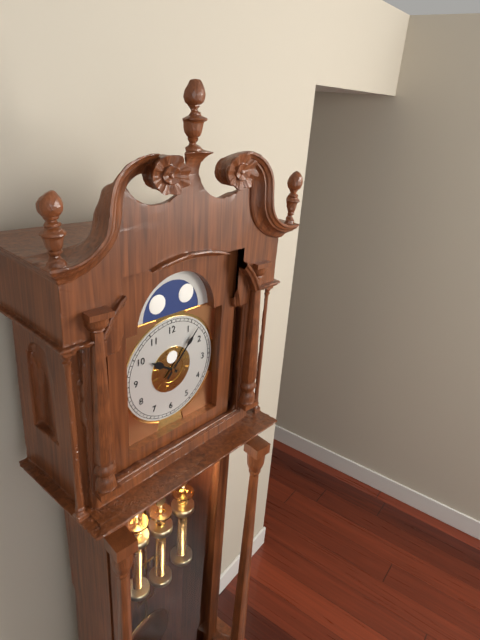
{"hour": 10, "minute": 7}
